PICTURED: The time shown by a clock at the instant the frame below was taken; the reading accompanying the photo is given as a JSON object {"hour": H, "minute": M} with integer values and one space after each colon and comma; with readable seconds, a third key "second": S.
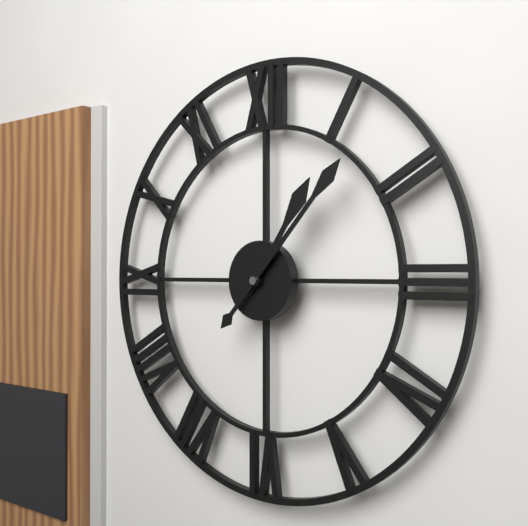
{"hour": 1, "minute": 7}
